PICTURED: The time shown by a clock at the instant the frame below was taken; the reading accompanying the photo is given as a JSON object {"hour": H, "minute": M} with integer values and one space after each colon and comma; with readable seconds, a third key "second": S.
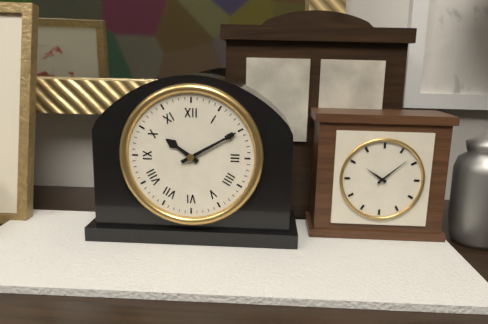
{"hour": 10, "minute": 10}
